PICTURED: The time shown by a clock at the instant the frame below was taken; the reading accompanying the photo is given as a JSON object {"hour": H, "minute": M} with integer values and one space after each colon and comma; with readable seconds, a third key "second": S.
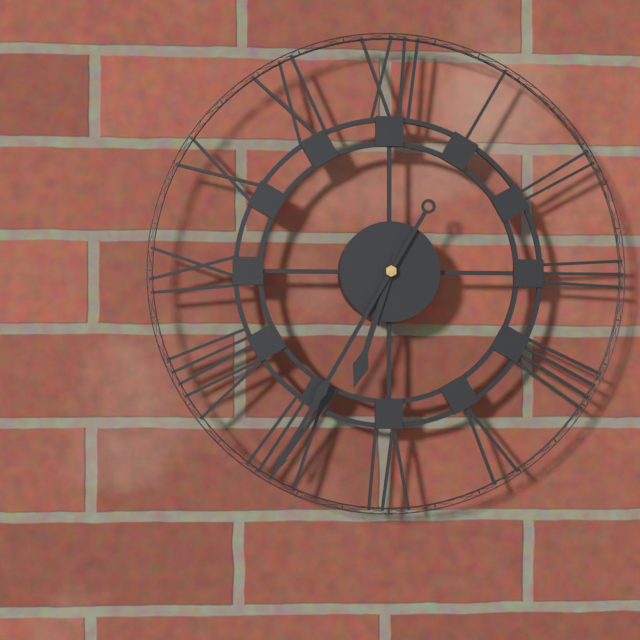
{"hour": 6, "minute": 35}
